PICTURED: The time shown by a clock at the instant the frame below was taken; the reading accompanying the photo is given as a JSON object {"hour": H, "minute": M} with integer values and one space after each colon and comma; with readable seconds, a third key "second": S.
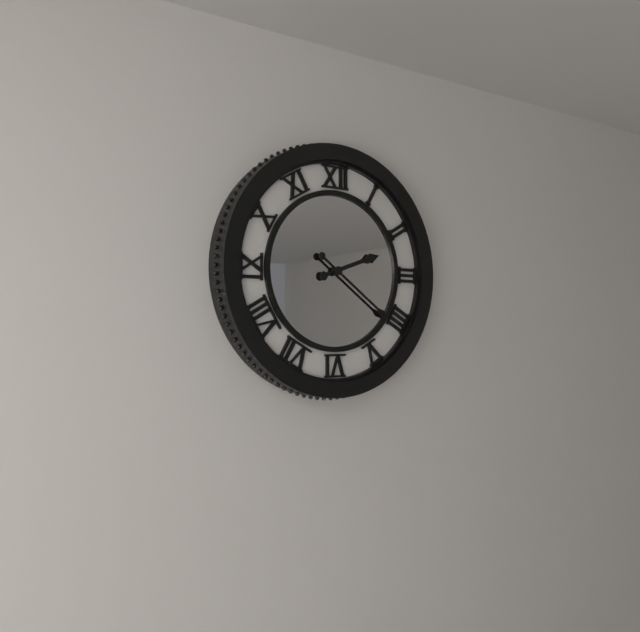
{"hour": 2, "minute": 21}
